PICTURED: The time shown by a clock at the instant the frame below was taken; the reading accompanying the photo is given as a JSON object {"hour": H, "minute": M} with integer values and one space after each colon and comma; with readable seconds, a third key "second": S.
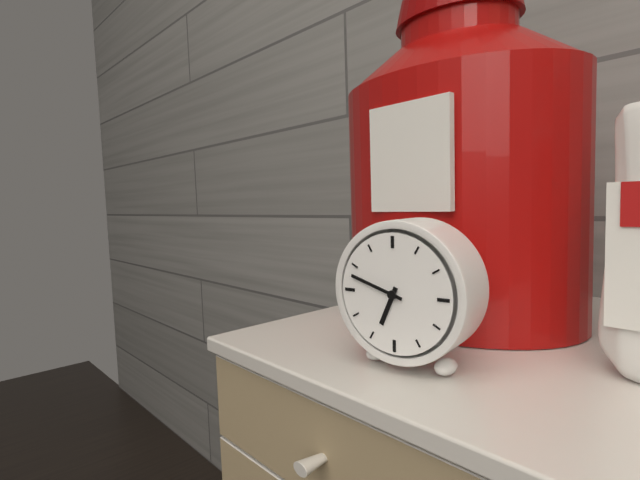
{"hour": 6, "minute": 48}
